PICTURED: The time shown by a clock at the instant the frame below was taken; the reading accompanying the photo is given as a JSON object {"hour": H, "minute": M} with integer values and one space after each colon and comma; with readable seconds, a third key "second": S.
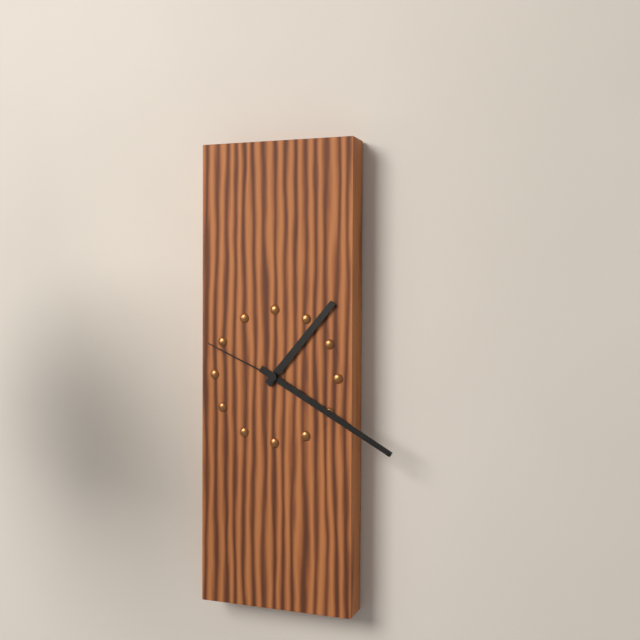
{"hour": 1, "minute": 20, "second": 49}
